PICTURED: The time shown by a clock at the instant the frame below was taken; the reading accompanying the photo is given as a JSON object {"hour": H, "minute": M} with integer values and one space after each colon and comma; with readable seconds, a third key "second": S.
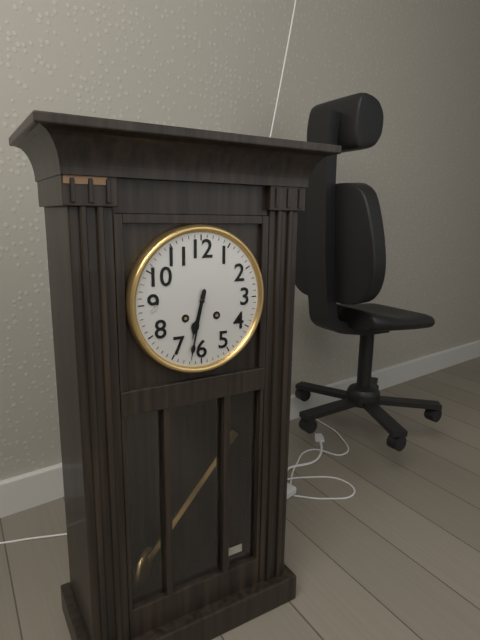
{"hour": 6, "minute": 32}
